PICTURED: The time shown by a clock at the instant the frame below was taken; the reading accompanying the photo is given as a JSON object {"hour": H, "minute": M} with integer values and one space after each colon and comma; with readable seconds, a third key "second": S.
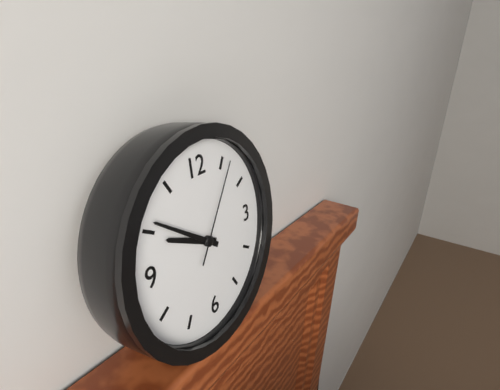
{"hour": 9, "minute": 51, "second": 6}
